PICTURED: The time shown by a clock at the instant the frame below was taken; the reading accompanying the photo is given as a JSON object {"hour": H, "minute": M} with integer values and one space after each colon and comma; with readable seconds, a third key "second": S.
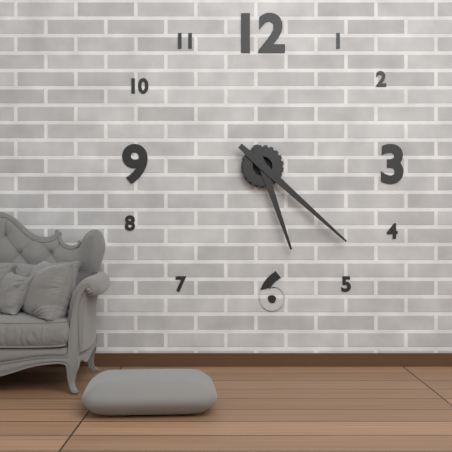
{"hour": 5, "minute": 22}
